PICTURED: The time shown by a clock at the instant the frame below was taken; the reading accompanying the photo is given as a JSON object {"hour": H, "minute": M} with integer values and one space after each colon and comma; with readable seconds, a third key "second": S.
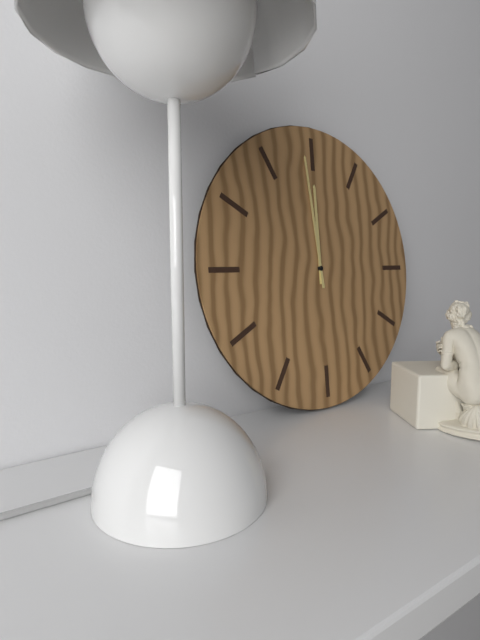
{"hour": 11, "minute": 59}
